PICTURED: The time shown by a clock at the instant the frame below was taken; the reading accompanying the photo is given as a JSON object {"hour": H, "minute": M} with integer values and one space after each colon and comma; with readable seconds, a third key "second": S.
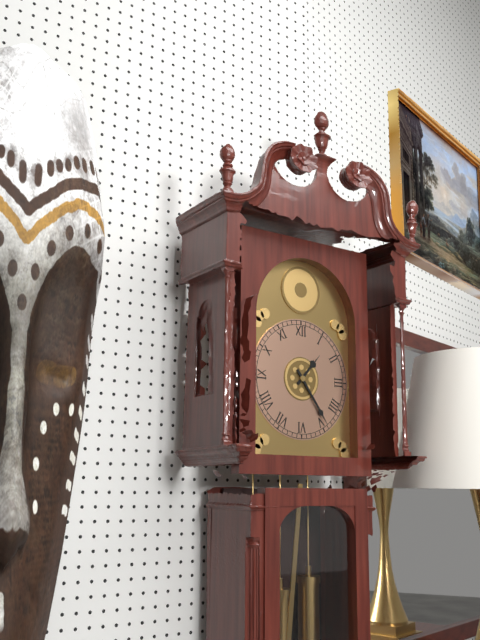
{"hour": 1, "minute": 24}
